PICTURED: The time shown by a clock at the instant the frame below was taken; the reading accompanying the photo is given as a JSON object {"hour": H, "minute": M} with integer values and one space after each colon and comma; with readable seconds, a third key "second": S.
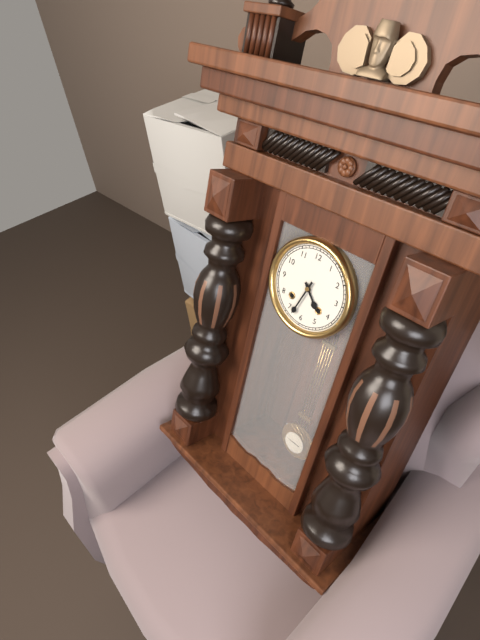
{"hour": 4, "minute": 33}
